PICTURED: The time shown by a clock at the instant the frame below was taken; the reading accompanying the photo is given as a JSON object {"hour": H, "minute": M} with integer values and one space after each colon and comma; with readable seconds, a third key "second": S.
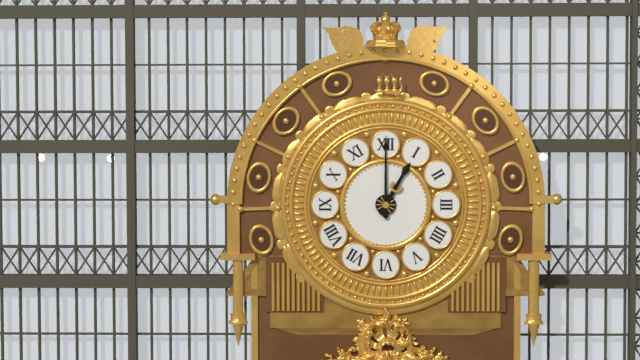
{"hour": 1, "minute": 0}
